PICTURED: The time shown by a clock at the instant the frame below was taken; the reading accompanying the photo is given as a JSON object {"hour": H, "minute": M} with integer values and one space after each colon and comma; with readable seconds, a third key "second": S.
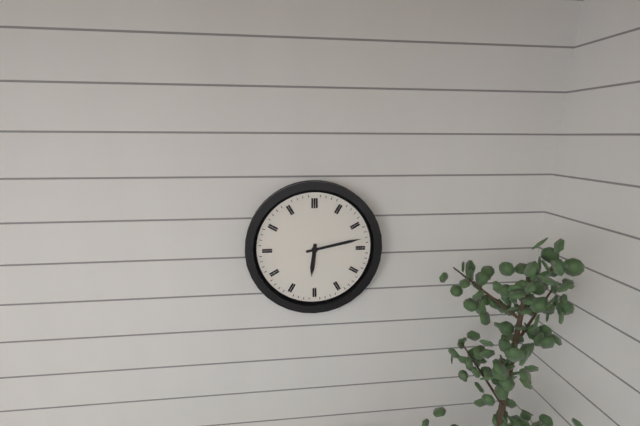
{"hour": 6, "minute": 13}
